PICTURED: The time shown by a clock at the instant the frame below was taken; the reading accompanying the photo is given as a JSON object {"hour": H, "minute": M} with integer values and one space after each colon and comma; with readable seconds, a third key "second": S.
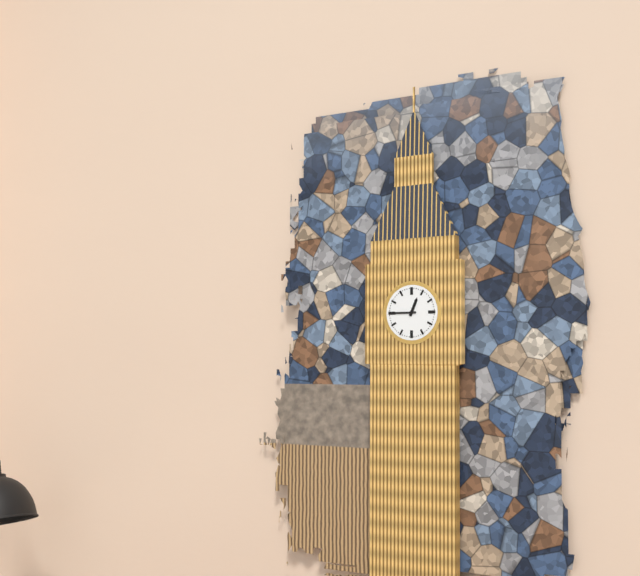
{"hour": 12, "minute": 45}
